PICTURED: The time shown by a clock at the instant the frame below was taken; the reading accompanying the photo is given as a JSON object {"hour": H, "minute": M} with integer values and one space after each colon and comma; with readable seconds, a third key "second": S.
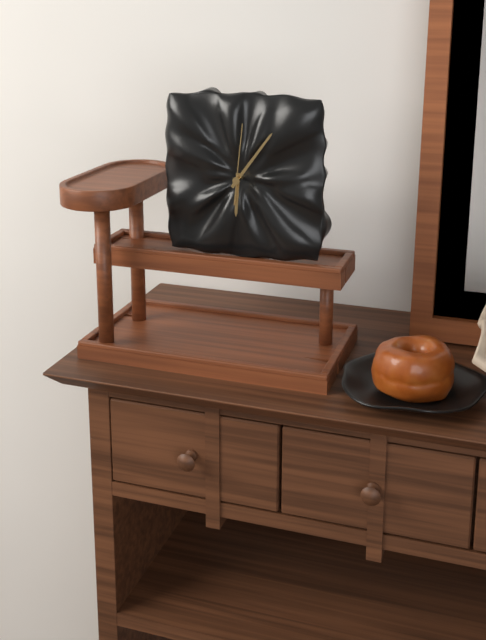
{"hour": 6, "minute": 6, "second": 1}
